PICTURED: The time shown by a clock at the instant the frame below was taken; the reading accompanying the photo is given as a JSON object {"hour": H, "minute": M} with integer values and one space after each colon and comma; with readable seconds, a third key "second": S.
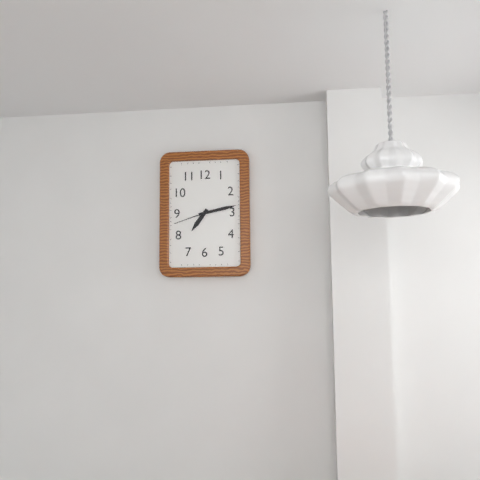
{"hour": 7, "minute": 13}
